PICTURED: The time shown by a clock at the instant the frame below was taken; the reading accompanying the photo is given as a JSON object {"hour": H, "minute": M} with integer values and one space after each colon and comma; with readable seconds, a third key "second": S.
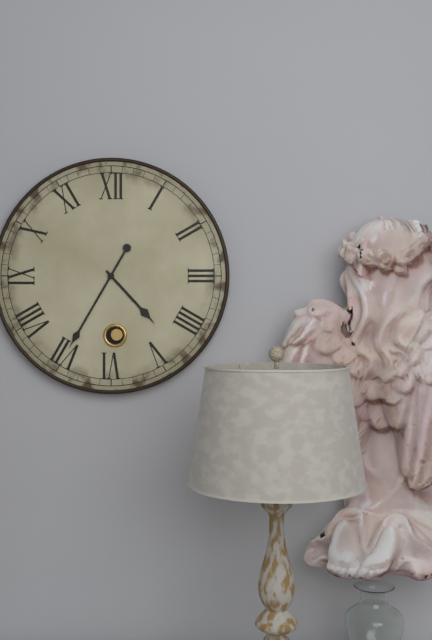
{"hour": 4, "minute": 35}
